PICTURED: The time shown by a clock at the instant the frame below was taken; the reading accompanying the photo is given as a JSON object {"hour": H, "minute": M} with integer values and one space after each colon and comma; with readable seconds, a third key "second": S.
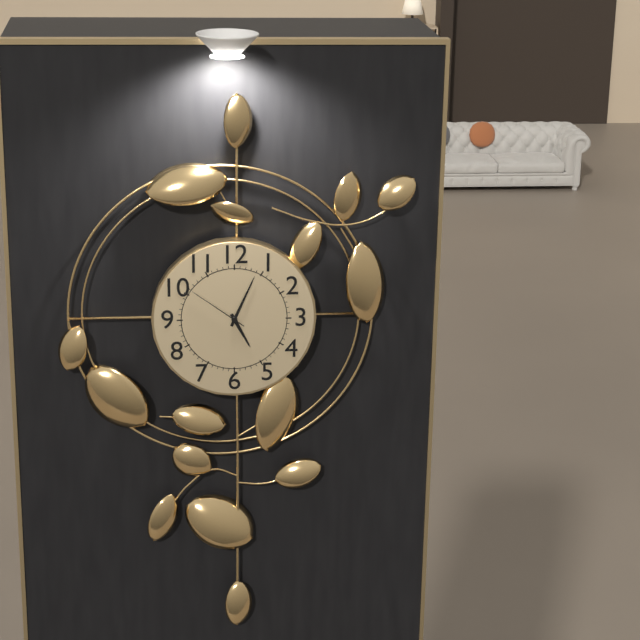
{"hour": 5, "minute": 4, "second": 51}
